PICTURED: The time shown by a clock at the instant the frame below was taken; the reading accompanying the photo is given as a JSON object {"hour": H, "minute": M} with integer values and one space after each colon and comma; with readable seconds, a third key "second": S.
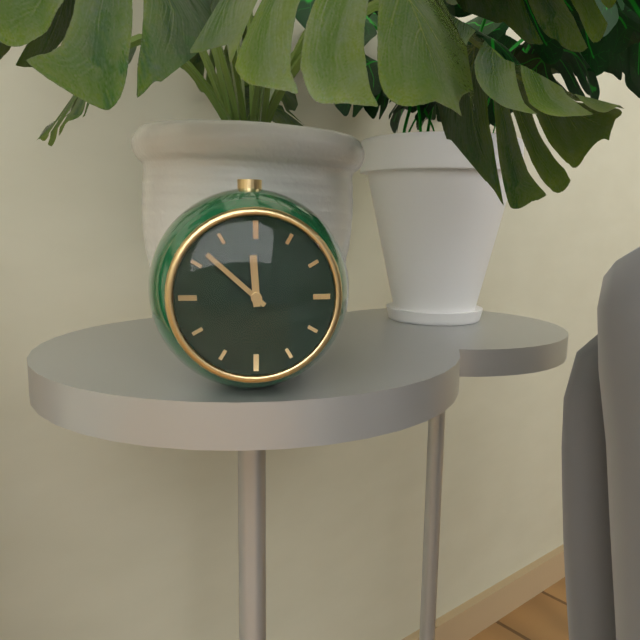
{"hour": 11, "minute": 52}
